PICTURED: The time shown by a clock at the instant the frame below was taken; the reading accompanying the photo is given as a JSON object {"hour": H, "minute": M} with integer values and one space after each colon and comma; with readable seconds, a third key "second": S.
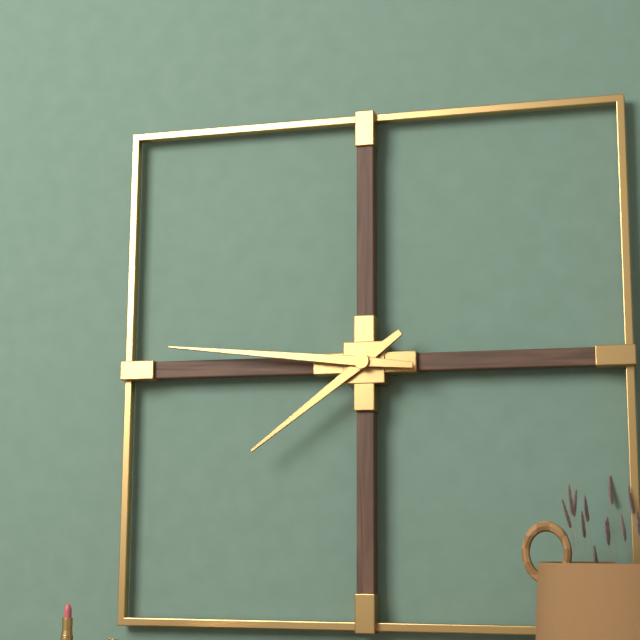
{"hour": 7, "minute": 46}
